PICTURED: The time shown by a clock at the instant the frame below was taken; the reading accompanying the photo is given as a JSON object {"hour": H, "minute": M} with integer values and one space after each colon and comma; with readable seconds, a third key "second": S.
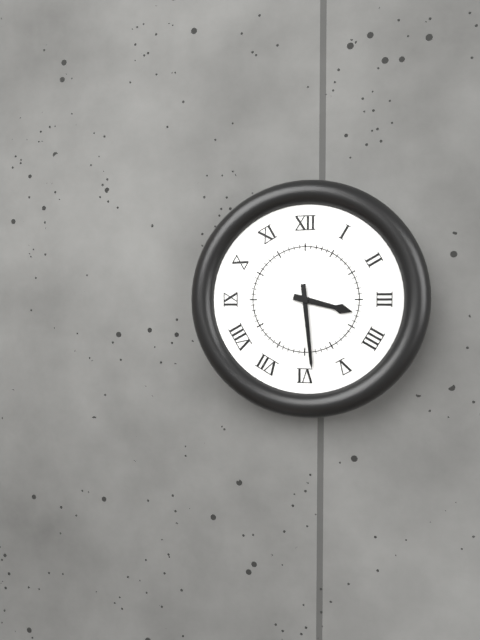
{"hour": 3, "minute": 29}
